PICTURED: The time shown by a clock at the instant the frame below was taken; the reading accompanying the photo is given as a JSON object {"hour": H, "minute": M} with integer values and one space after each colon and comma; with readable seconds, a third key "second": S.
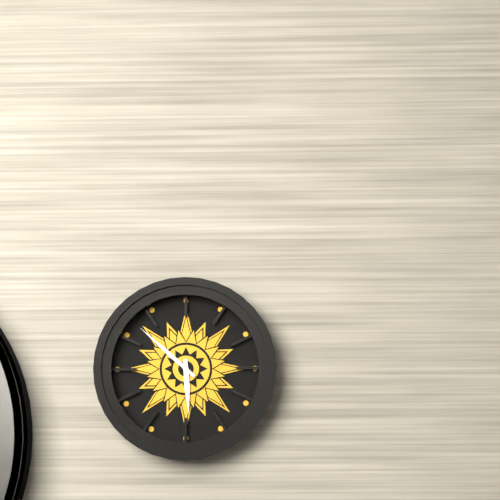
{"hour": 5, "minute": 52}
